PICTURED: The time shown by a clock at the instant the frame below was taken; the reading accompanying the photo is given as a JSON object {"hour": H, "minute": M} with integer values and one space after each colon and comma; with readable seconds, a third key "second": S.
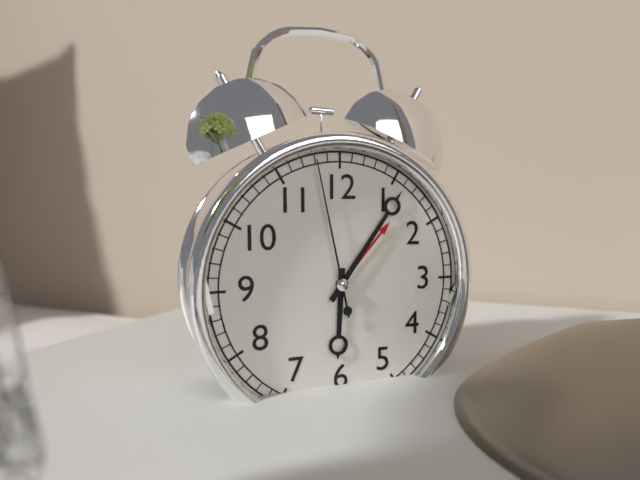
{"hour": 6, "minute": 6, "second": 58}
